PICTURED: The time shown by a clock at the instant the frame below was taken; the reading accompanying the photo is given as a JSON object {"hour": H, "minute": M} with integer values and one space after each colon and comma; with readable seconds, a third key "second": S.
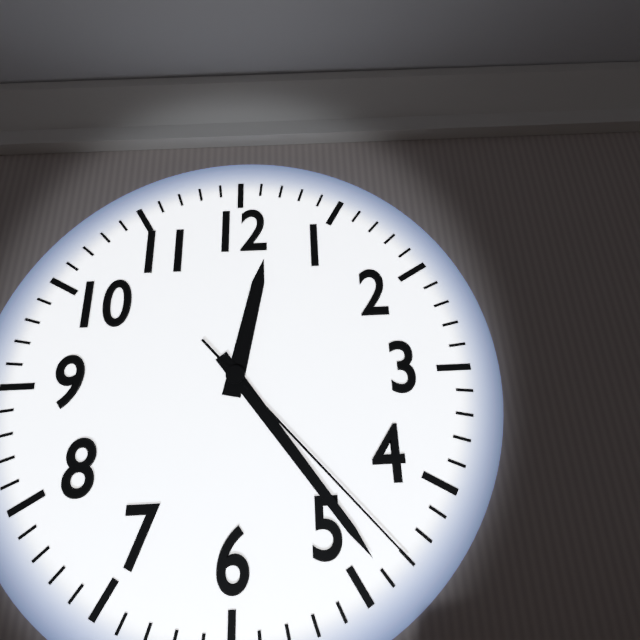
{"hour": 12, "minute": 24, "second": 23}
